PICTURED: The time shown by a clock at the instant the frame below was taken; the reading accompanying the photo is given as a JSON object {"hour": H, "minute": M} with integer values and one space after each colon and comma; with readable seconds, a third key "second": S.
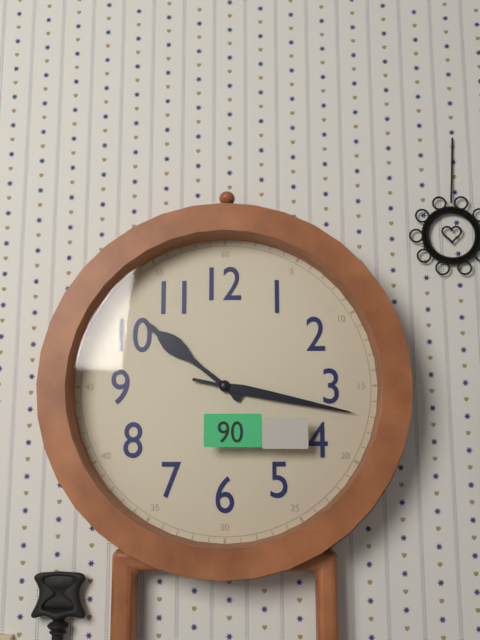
{"hour": 10, "minute": 17}
